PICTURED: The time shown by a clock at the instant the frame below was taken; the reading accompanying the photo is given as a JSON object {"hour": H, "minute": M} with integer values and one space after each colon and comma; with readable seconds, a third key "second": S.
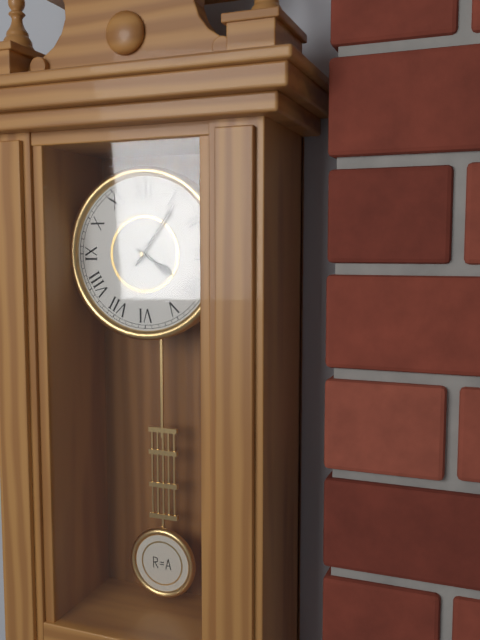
{"hour": 4, "minute": 6}
